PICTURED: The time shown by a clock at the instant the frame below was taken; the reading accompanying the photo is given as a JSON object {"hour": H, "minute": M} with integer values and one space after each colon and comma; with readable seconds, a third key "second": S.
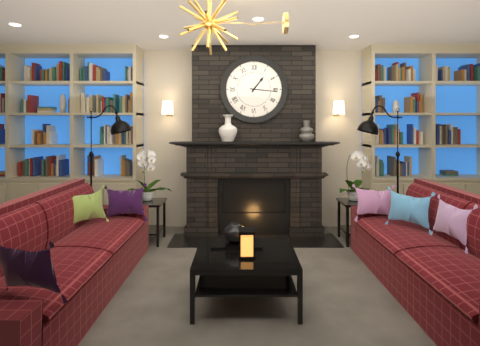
{"hour": 1, "minute": 16}
